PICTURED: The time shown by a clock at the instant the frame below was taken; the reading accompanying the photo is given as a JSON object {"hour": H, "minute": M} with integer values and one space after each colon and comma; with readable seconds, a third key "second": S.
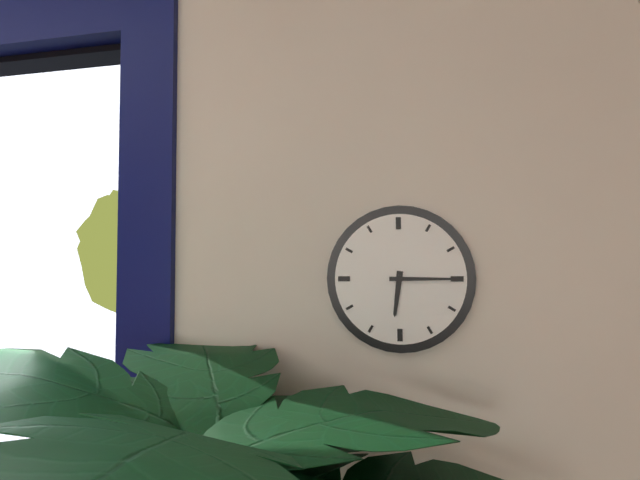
{"hour": 6, "minute": 15}
